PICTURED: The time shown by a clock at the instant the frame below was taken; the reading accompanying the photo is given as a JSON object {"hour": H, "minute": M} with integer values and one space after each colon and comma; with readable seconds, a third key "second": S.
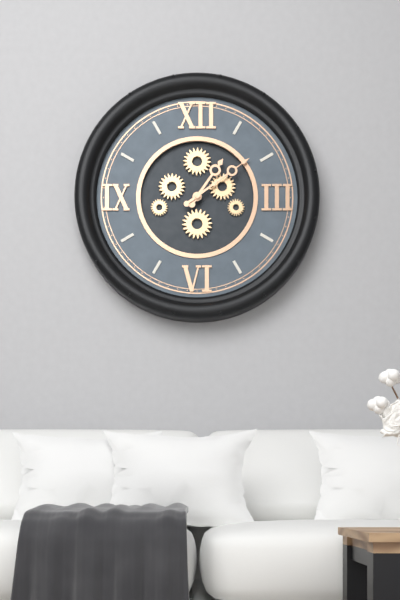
{"hour": 1, "minute": 9}
